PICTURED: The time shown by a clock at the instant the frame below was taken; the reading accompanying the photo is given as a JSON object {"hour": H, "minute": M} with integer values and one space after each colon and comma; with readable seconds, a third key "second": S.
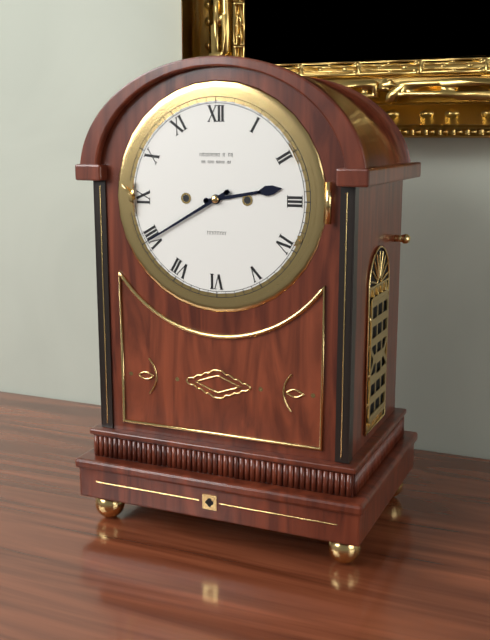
{"hour": 2, "minute": 40}
